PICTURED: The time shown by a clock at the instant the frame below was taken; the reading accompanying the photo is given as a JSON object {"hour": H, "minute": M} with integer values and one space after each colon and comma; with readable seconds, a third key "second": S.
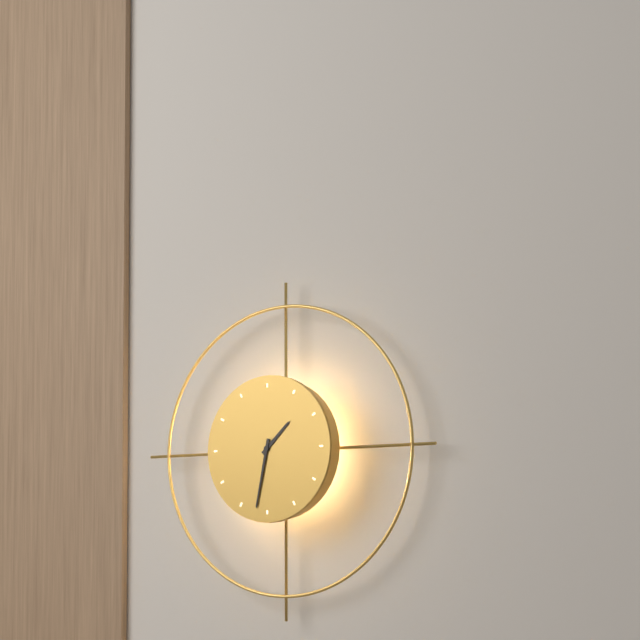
{"hour": 1, "minute": 32}
